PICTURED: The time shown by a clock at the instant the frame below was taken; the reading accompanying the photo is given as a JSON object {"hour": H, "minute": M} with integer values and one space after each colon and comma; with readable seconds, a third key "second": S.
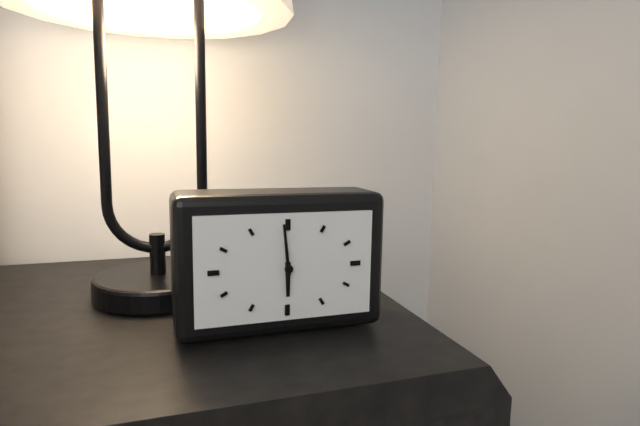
{"hour": 5, "minute": 59}
